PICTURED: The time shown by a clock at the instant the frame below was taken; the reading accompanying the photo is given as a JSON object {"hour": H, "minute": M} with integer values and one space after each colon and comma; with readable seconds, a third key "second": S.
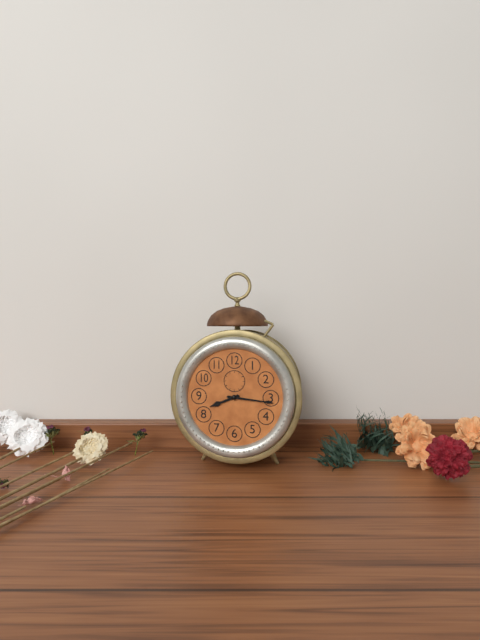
{"hour": 8, "minute": 16}
